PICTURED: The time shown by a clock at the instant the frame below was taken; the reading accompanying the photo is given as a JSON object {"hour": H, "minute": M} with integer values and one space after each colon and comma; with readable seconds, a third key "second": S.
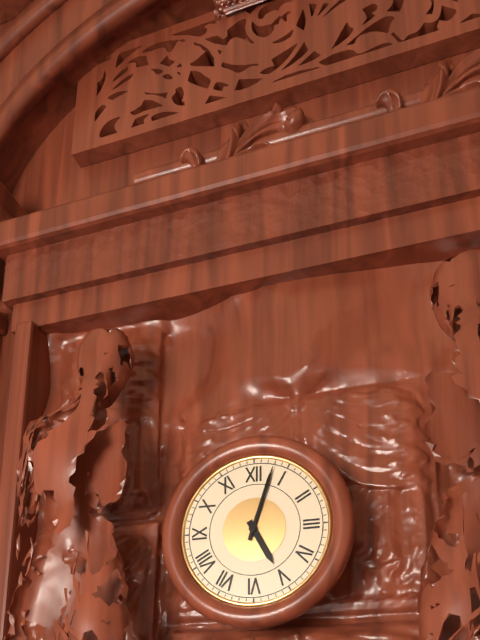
{"hour": 5, "minute": 3}
